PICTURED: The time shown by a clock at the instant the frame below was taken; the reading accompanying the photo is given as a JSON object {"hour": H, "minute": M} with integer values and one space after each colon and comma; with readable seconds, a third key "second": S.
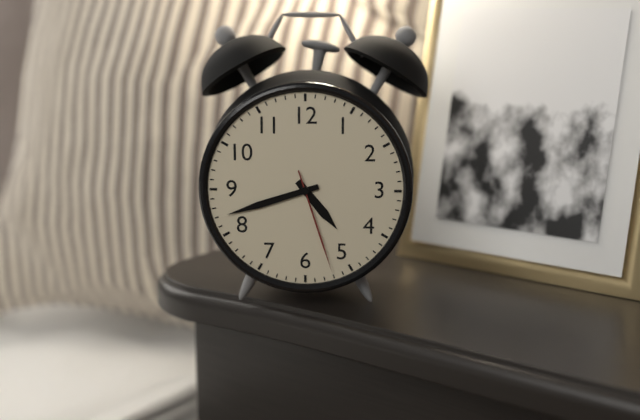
{"hour": 4, "minute": 42, "second": 27}
